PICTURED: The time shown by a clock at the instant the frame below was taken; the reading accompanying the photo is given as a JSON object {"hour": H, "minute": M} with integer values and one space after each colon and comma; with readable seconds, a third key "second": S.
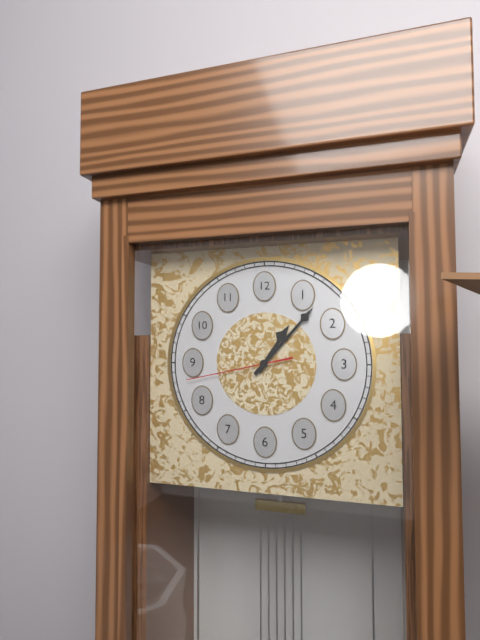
{"hour": 1, "minute": 7, "second": 43}
